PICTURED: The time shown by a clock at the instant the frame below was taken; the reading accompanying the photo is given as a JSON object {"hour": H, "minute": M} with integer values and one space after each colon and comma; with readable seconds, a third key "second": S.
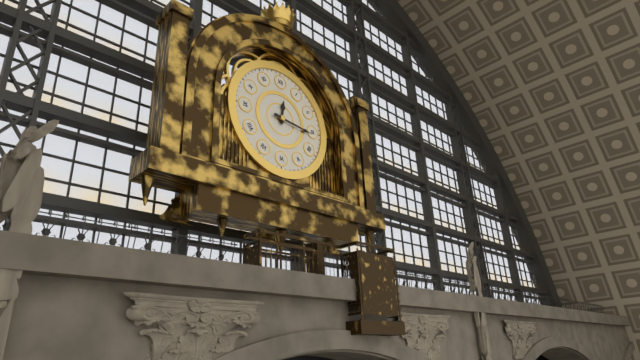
{"hour": 12, "minute": 16}
